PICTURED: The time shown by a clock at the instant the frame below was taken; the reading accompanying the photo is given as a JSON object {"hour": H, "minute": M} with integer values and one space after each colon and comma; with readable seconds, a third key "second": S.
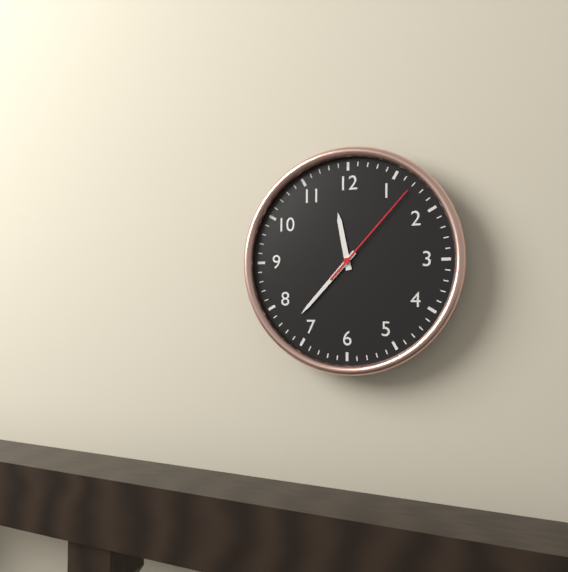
{"hour": 11, "minute": 37, "second": 7}
